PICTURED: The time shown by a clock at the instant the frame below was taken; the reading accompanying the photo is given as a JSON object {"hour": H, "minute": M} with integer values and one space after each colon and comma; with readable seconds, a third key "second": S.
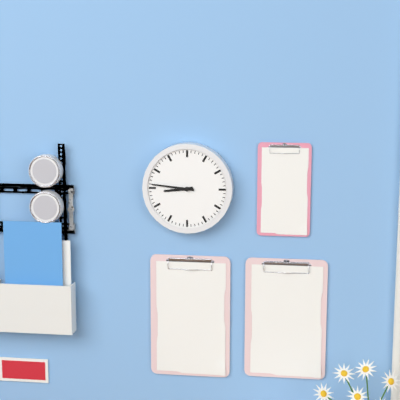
{"hour": 8, "minute": 46}
